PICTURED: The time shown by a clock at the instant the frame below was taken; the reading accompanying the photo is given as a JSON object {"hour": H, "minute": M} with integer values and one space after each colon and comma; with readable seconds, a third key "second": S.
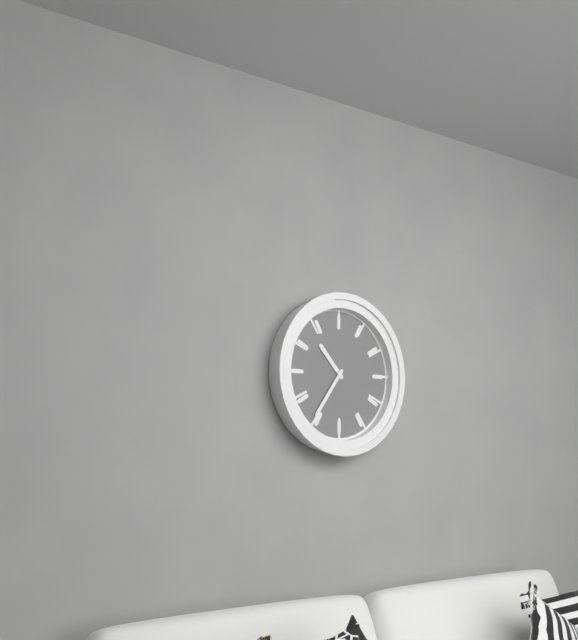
{"hour": 10, "minute": 36}
